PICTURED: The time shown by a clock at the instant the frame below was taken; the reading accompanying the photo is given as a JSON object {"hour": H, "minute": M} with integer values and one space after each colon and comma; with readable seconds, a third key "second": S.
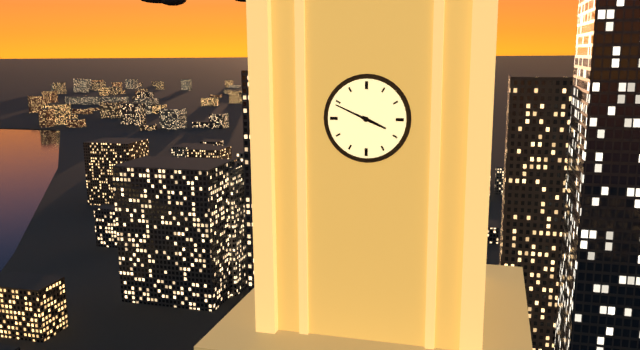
{"hour": 3, "minute": 49}
